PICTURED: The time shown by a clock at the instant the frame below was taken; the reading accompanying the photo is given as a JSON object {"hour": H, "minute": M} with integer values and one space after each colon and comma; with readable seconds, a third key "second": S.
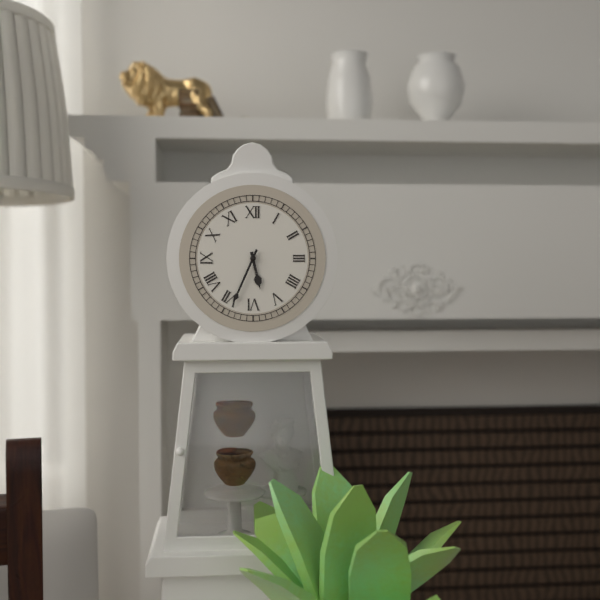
{"hour": 5, "minute": 34}
